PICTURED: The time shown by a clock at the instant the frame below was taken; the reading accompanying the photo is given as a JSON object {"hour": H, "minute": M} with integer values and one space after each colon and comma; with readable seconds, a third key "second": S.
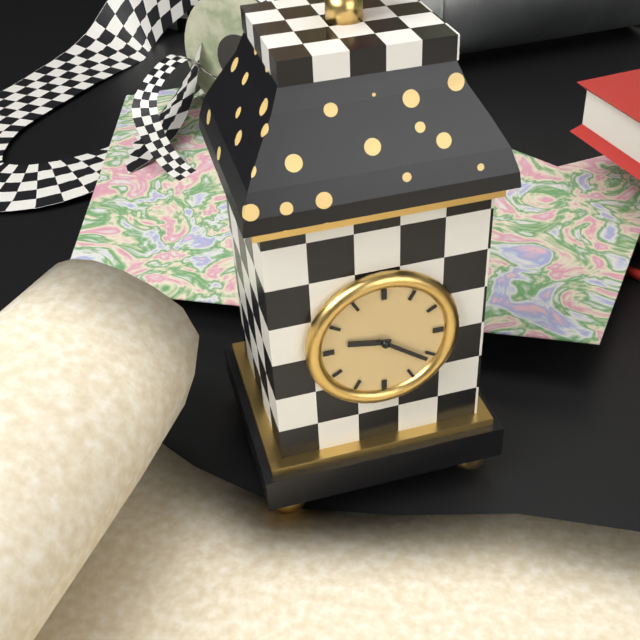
{"hour": 9, "minute": 21}
